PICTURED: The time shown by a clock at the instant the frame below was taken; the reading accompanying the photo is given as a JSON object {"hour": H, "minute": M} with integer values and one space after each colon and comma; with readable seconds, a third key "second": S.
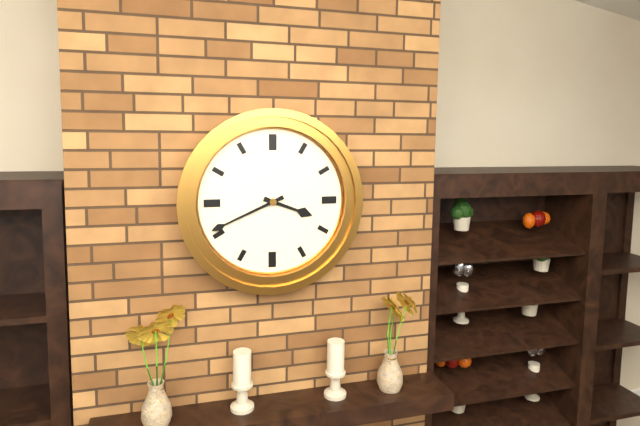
{"hour": 3, "minute": 41}
